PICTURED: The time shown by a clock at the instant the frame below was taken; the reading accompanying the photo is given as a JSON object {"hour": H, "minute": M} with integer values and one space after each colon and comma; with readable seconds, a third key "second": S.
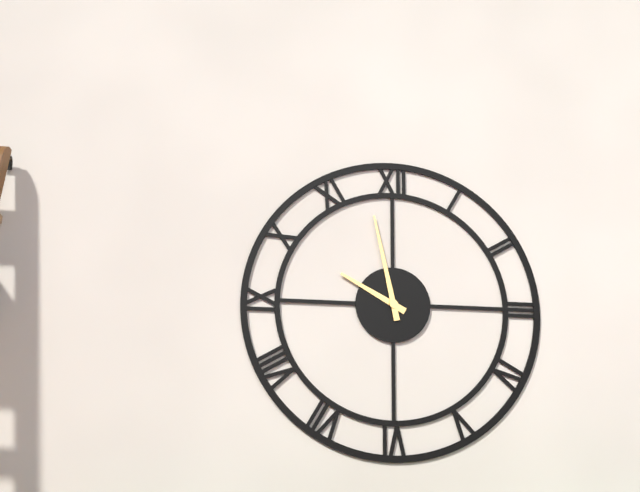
{"hour": 9, "minute": 58}
